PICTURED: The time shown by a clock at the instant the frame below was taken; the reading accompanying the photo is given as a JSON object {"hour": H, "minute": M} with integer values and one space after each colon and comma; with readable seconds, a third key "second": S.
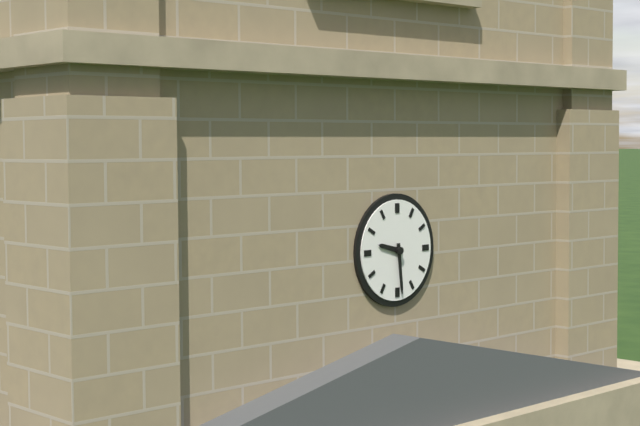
{"hour": 9, "minute": 29}
